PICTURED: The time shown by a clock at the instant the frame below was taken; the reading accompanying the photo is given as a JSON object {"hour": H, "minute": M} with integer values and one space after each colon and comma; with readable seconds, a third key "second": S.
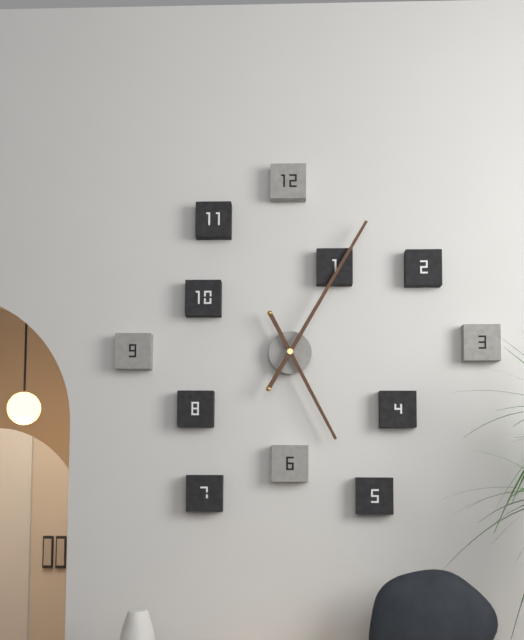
{"hour": 5, "minute": 5}
